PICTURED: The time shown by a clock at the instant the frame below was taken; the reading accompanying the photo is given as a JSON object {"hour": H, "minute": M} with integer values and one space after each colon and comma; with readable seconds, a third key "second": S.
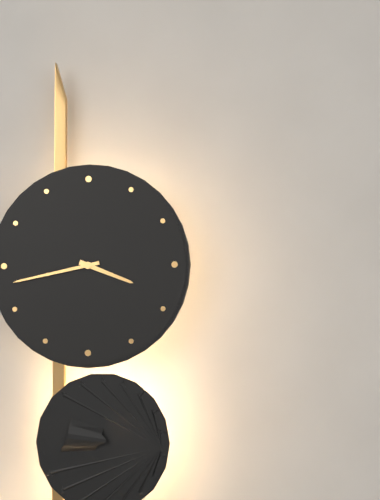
{"hour": 3, "minute": 43}
